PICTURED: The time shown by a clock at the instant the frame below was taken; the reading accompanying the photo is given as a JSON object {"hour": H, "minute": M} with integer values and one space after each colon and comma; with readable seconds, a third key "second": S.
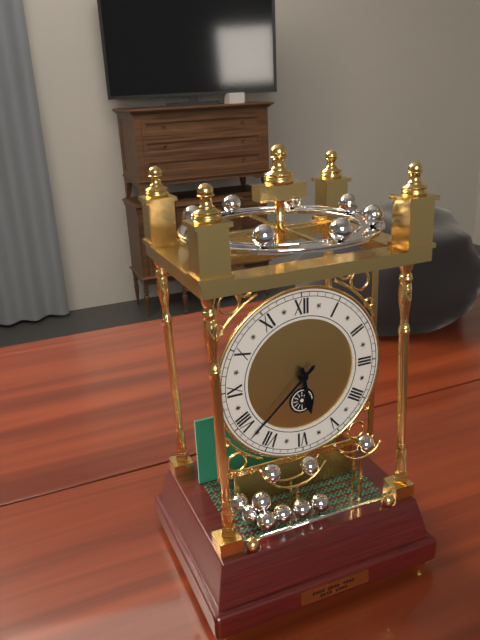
{"hour": 5, "minute": 38}
